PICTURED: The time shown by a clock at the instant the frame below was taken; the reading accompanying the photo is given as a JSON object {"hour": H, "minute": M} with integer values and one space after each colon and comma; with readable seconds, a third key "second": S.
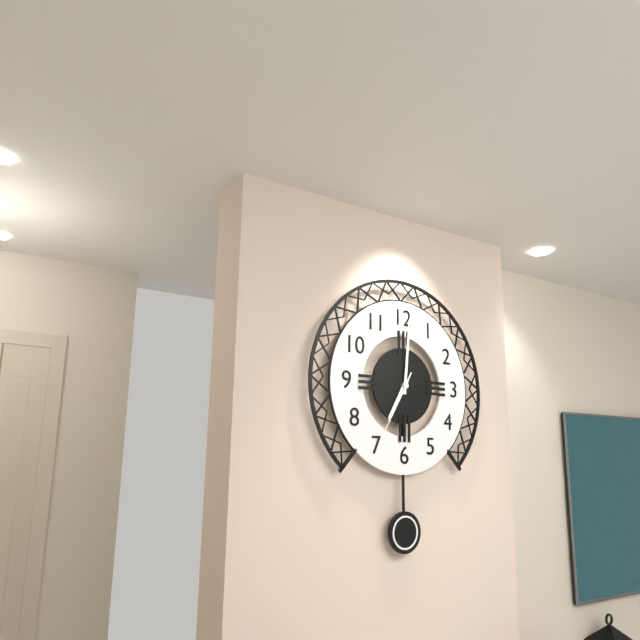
{"hour": 7, "minute": 1, "second": 35}
